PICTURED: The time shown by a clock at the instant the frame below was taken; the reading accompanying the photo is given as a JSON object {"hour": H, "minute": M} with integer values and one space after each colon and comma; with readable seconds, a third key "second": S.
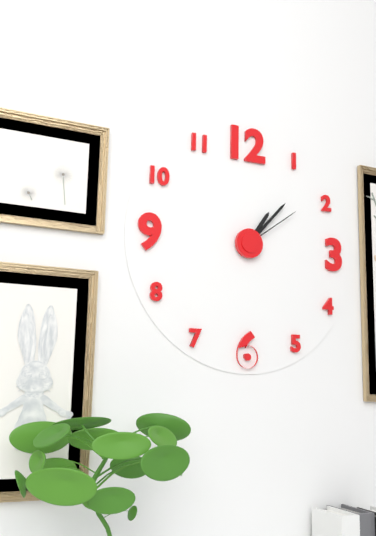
{"hour": 1, "minute": 7, "second": 9}
